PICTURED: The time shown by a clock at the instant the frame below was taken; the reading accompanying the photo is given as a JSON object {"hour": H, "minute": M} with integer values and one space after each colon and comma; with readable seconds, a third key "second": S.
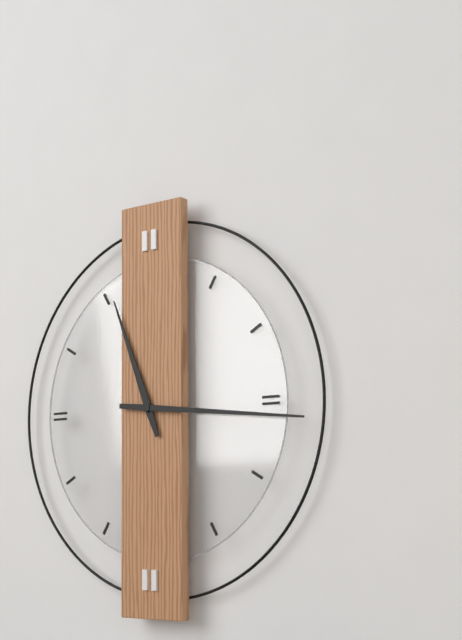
{"hour": 11, "minute": 16}
